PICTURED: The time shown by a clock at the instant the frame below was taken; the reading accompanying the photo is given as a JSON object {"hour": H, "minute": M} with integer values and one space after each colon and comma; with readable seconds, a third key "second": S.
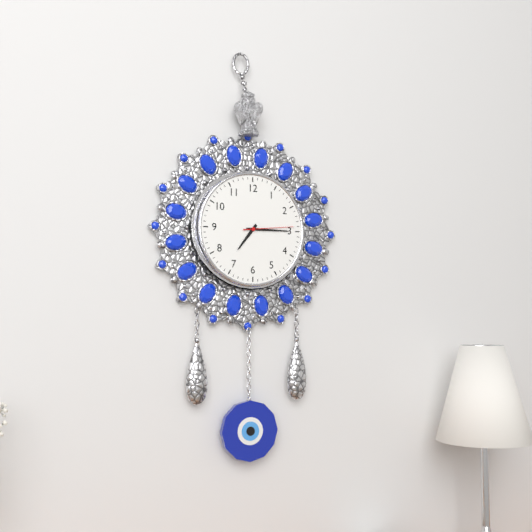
{"hour": 7, "minute": 15, "second": 14}
